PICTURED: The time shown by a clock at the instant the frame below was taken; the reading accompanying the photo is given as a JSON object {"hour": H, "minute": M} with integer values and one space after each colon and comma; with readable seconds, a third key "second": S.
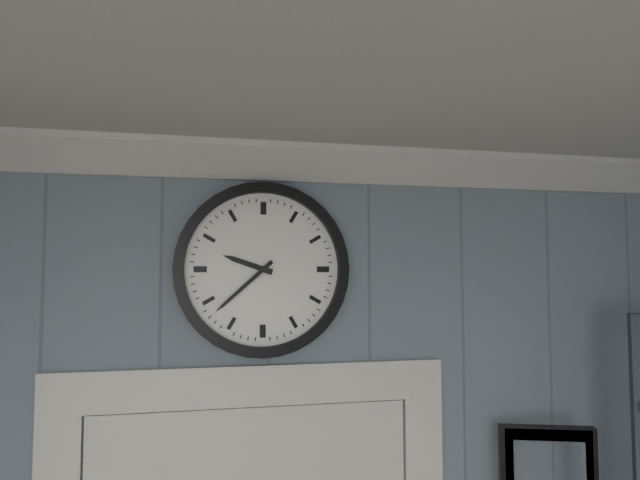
{"hour": 9, "minute": 38}
